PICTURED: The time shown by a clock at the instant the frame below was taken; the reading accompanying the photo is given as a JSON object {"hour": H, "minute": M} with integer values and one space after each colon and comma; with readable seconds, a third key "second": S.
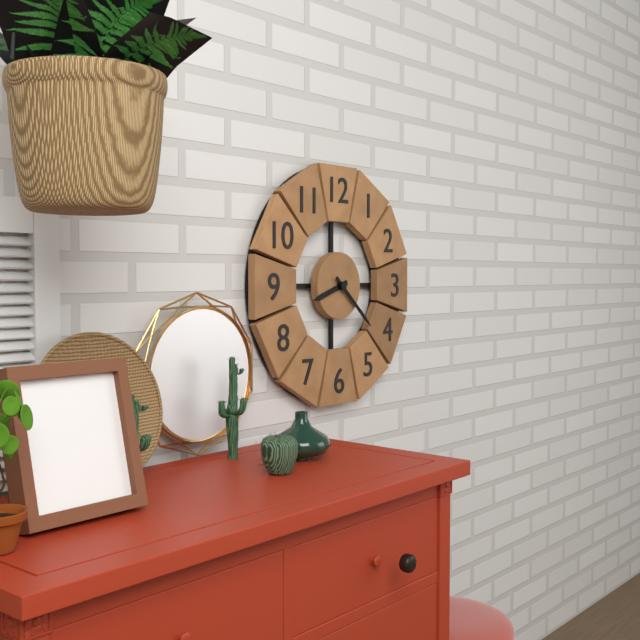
{"hour": 8, "minute": 22}
